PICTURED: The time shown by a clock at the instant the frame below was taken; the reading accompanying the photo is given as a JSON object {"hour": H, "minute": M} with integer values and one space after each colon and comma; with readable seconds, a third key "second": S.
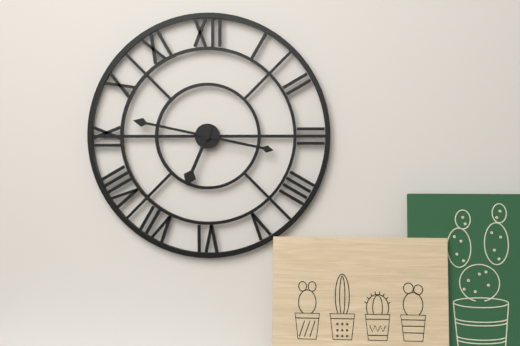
{"hour": 6, "minute": 47}
